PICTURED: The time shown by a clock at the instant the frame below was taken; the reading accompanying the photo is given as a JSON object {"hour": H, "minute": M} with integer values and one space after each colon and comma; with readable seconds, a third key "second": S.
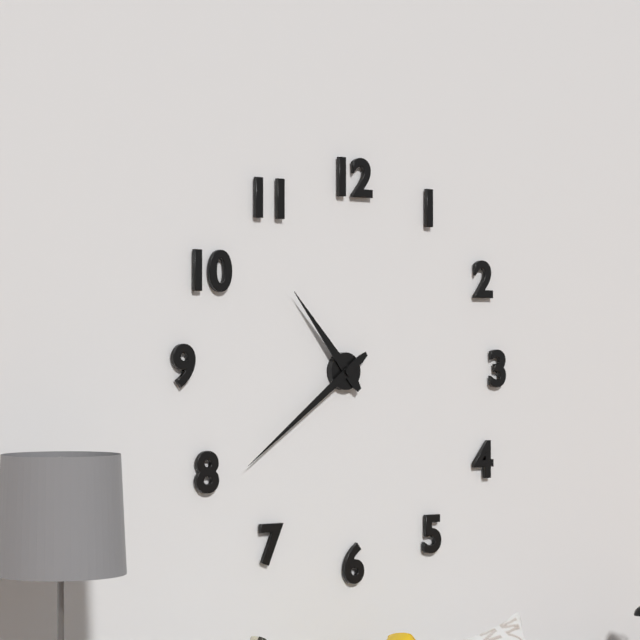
{"hour": 10, "minute": 39}
